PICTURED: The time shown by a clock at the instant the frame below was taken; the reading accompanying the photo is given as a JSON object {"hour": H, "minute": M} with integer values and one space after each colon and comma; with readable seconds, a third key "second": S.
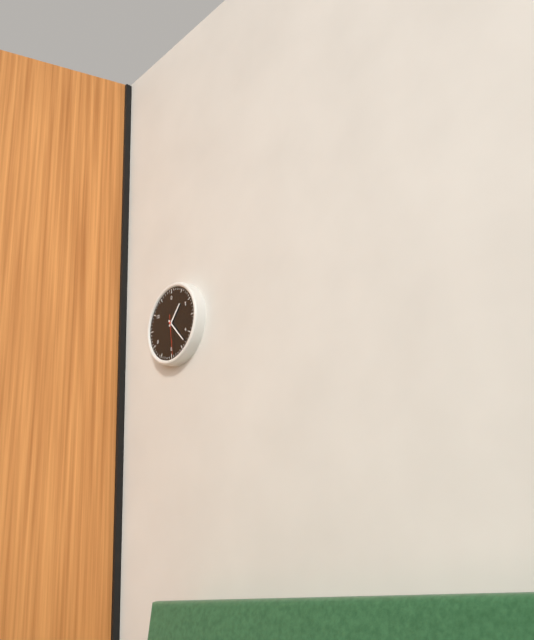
{"hour": 1, "minute": 23}
